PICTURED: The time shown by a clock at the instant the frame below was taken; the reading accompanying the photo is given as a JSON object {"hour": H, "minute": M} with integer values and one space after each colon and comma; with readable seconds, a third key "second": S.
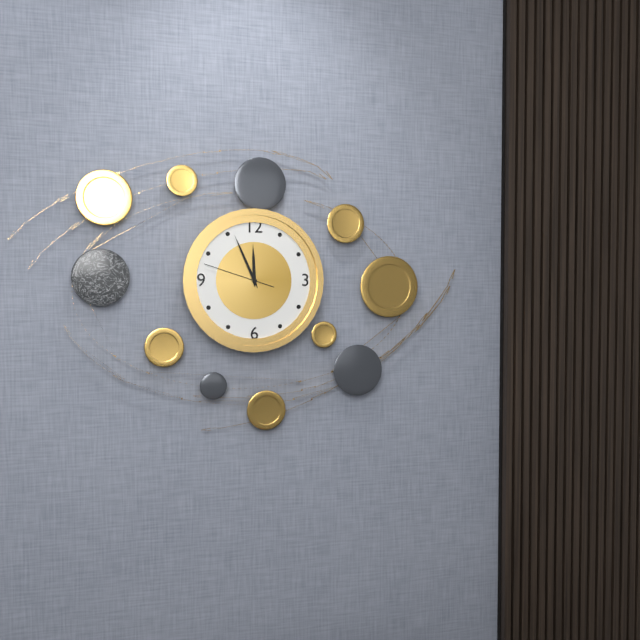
{"hour": 11, "minute": 56, "second": 48}
